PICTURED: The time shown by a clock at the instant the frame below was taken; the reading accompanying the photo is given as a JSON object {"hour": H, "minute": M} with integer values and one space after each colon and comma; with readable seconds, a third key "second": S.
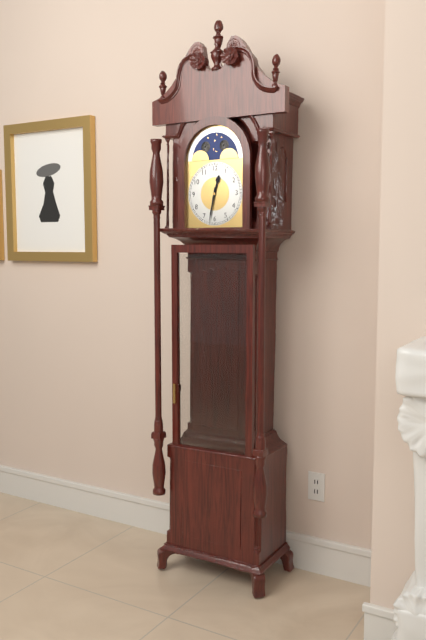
{"hour": 12, "minute": 32}
